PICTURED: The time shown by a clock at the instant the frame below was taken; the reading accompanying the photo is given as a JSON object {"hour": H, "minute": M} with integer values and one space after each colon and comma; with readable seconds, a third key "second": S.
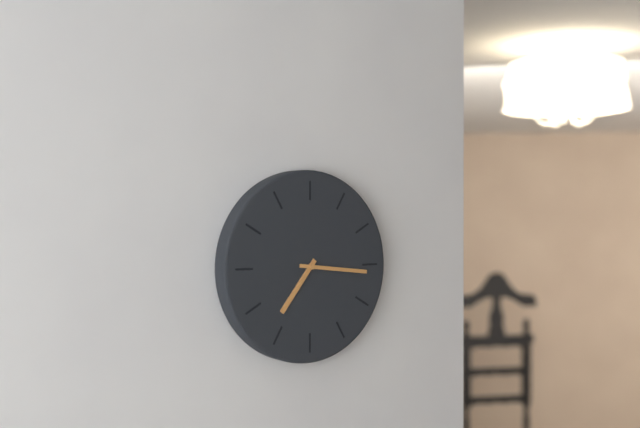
{"hour": 7, "minute": 16}
